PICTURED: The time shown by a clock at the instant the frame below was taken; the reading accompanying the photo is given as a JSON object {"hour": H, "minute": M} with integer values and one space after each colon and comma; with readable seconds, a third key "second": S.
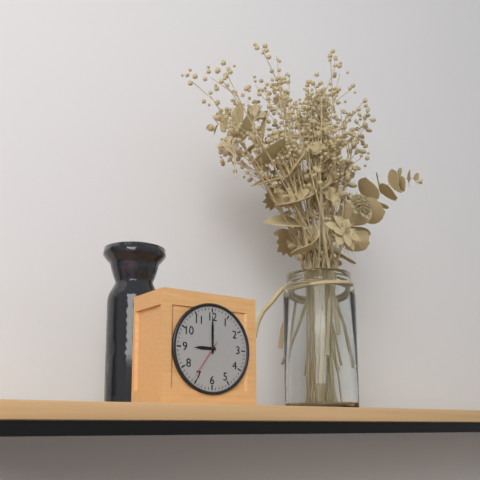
{"hour": 9, "minute": 0}
